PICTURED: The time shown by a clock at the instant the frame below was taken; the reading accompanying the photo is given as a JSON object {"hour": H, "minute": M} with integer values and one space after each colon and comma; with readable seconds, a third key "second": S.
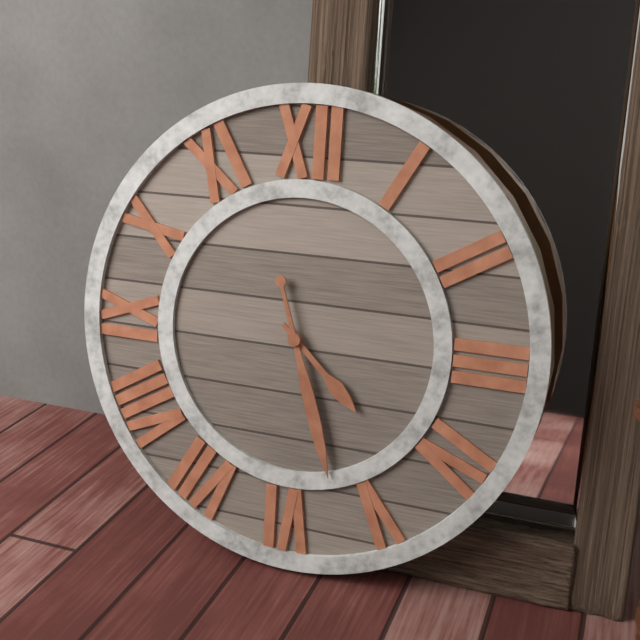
{"hour": 4, "minute": 27}
